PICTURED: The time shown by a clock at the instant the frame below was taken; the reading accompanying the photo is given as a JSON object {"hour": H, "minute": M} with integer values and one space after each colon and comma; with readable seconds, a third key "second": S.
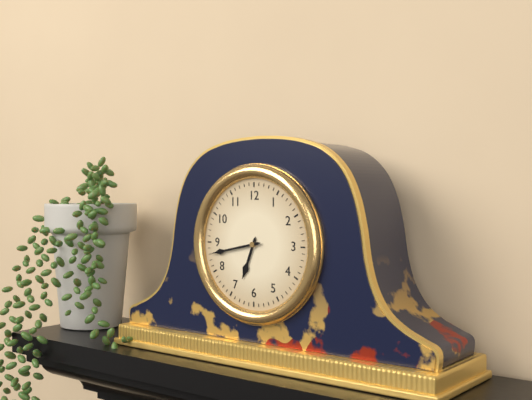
{"hour": 6, "minute": 43}
